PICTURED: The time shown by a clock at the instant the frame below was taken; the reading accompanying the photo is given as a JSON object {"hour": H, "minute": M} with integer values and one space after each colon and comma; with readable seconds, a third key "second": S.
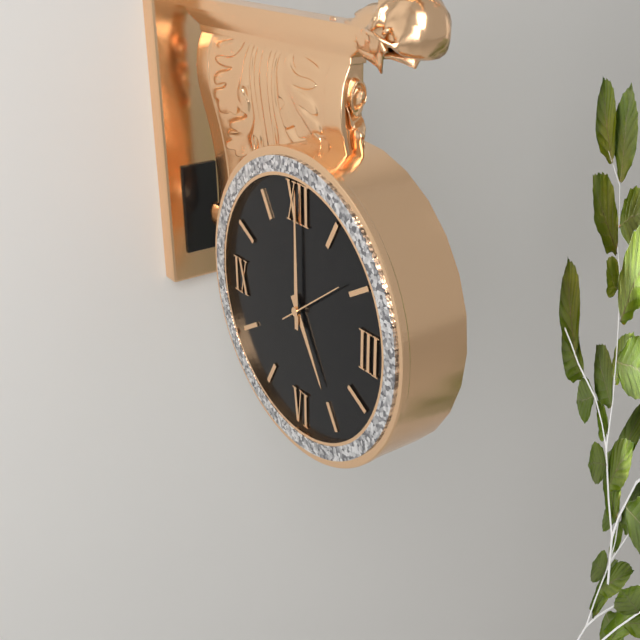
{"hour": 5, "minute": 0}
